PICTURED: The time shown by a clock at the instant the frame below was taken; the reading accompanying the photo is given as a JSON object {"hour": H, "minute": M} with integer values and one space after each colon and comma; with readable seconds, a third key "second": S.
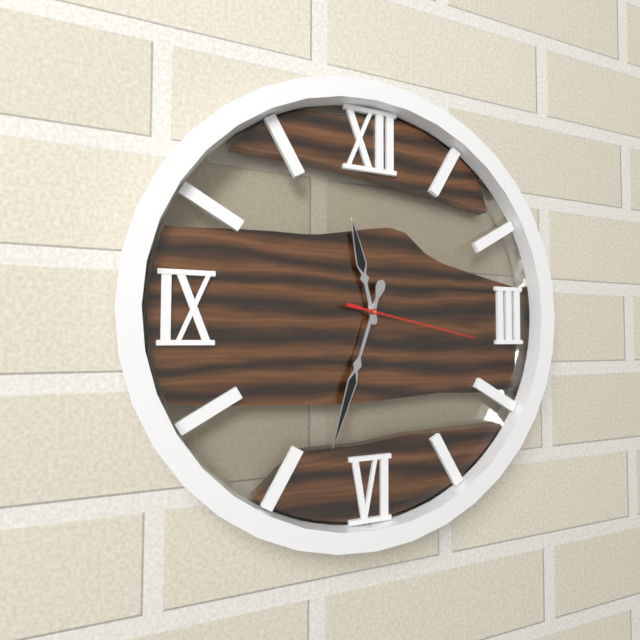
{"hour": 11, "minute": 33, "second": 17}
